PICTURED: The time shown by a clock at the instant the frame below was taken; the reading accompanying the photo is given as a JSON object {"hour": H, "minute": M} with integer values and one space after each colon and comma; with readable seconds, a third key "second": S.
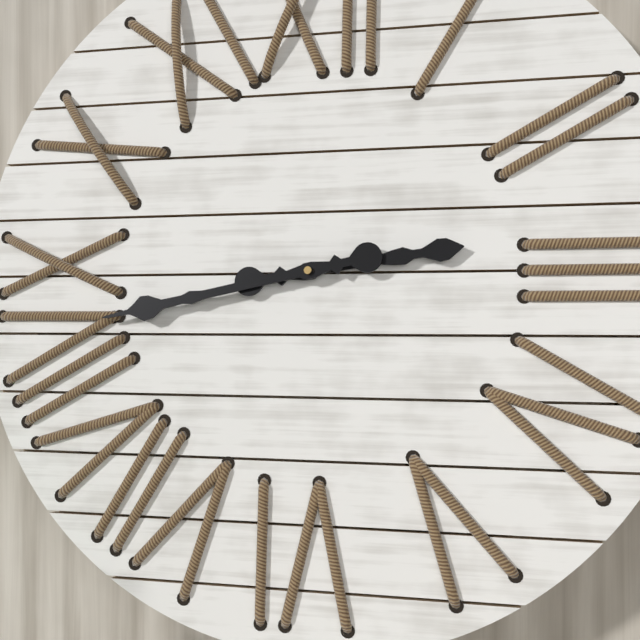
{"hour": 2, "minute": 43}
